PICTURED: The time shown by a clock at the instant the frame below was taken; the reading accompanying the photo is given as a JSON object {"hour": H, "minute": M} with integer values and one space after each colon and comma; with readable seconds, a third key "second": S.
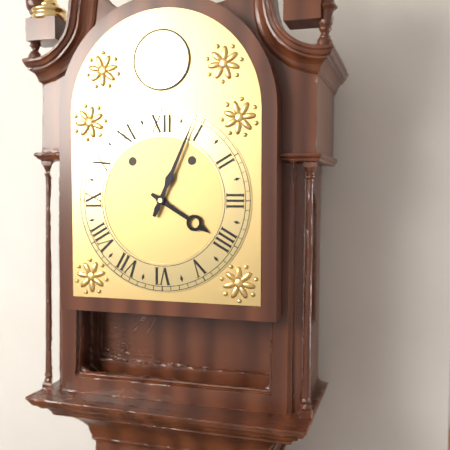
{"hour": 4, "minute": 4}
